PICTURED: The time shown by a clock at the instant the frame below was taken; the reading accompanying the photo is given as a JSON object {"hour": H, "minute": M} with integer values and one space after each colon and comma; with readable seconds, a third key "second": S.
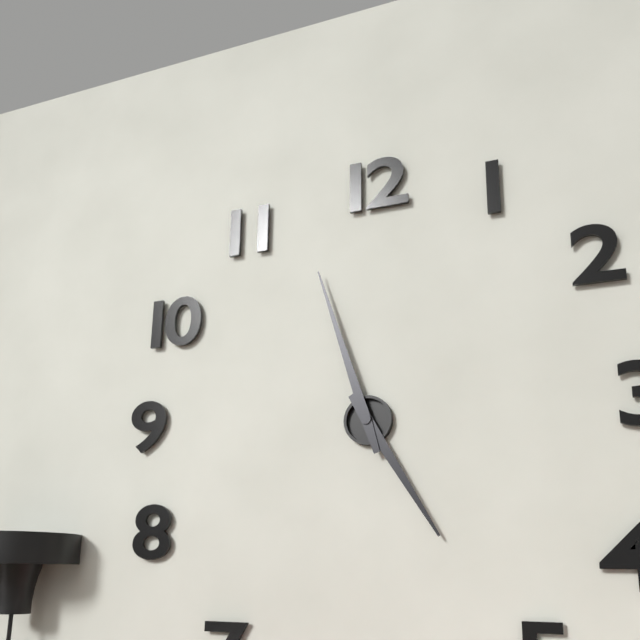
{"hour": 4, "minute": 57}
